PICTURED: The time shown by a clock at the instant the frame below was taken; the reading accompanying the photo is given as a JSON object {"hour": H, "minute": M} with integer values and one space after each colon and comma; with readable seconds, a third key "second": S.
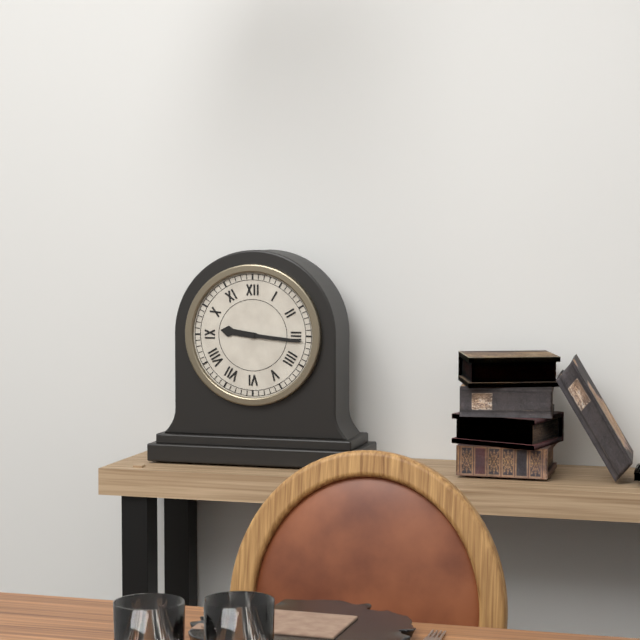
{"hour": 9, "minute": 16}
